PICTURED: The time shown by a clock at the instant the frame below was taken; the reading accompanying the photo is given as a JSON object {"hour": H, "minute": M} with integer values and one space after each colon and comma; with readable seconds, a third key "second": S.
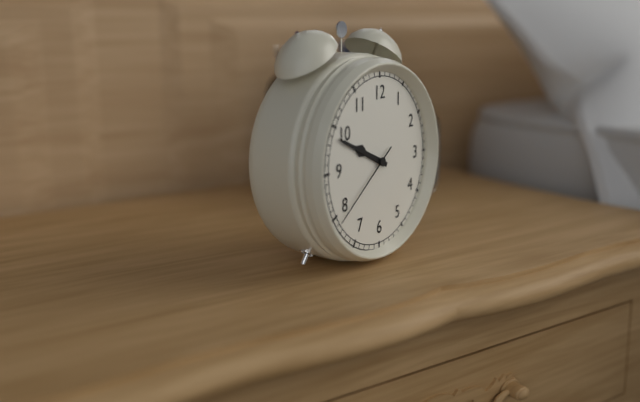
{"hour": 9, "minute": 49, "second": 39}
